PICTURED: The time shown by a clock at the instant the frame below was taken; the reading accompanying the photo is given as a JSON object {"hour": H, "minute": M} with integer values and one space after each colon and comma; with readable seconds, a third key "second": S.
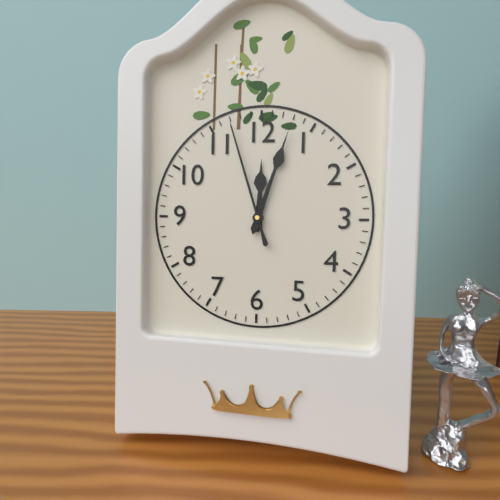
{"hour": 12, "minute": 3, "second": 57}
